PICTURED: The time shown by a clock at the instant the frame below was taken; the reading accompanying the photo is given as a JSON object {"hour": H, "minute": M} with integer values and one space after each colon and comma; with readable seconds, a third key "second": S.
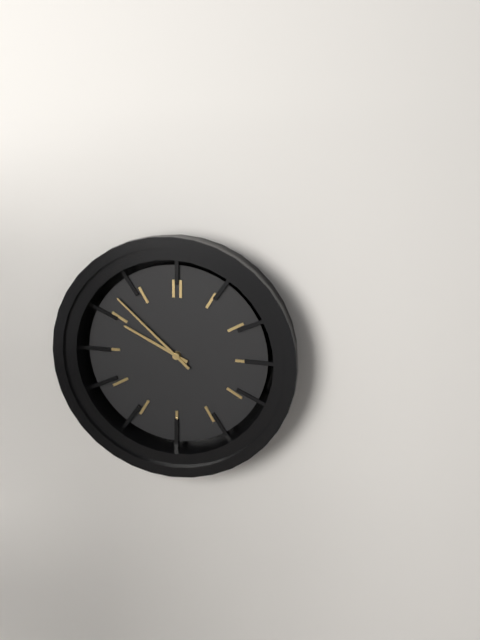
{"hour": 9, "minute": 52}
